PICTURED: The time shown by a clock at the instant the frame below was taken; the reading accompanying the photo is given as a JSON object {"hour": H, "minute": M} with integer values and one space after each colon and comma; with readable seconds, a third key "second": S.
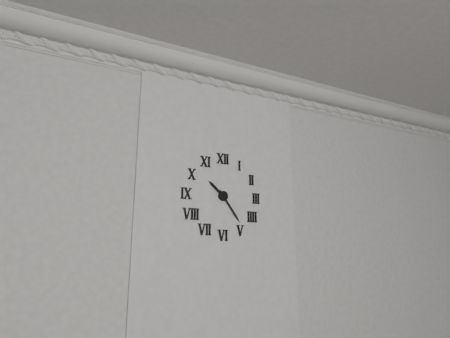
{"hour": 10, "minute": 24}
